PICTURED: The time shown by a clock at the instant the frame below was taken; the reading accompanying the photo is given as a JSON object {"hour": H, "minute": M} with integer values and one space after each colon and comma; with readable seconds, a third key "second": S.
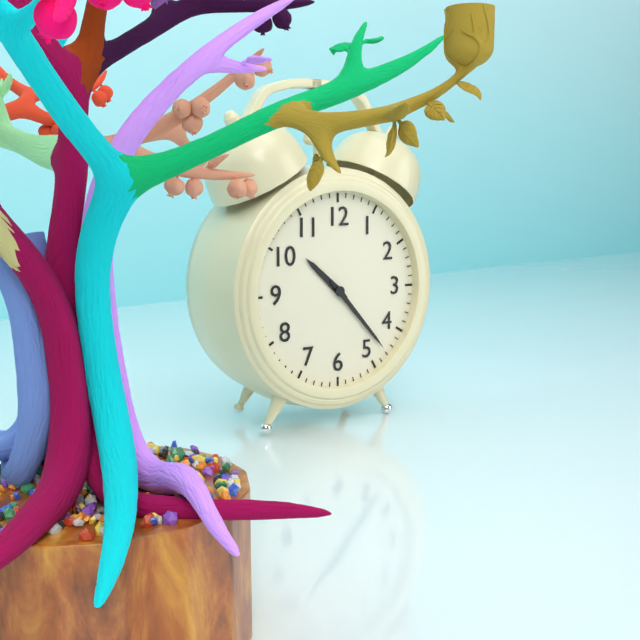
{"hour": 10, "minute": 23}
